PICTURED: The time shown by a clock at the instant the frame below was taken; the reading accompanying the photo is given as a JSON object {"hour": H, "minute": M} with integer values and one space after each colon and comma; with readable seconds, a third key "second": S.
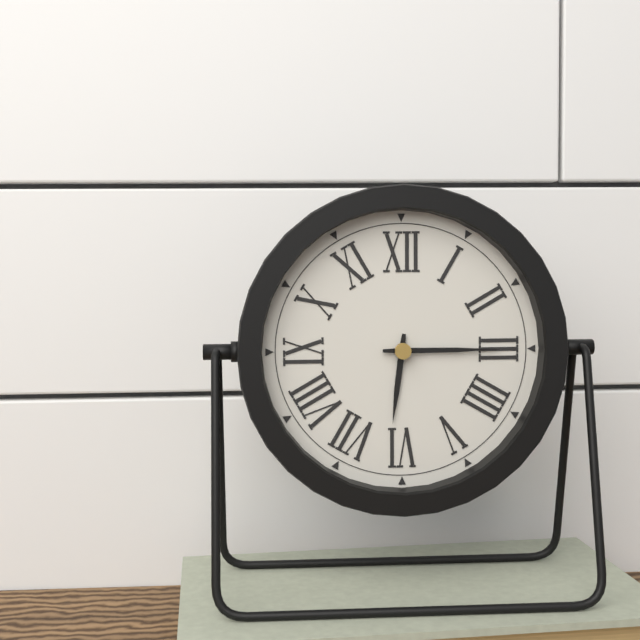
{"hour": 6, "minute": 15}
